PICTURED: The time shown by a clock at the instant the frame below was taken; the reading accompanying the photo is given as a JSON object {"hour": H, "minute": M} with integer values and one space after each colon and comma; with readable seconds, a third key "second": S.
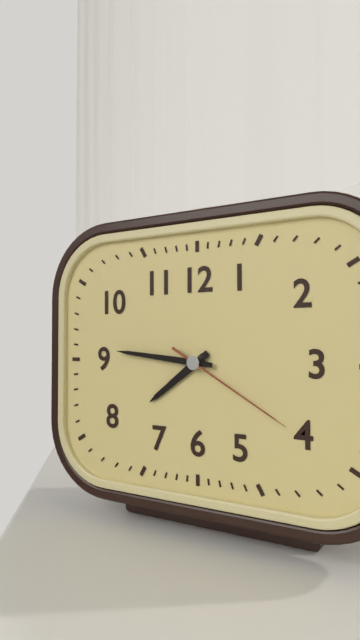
{"hour": 7, "minute": 46, "second": 20}
